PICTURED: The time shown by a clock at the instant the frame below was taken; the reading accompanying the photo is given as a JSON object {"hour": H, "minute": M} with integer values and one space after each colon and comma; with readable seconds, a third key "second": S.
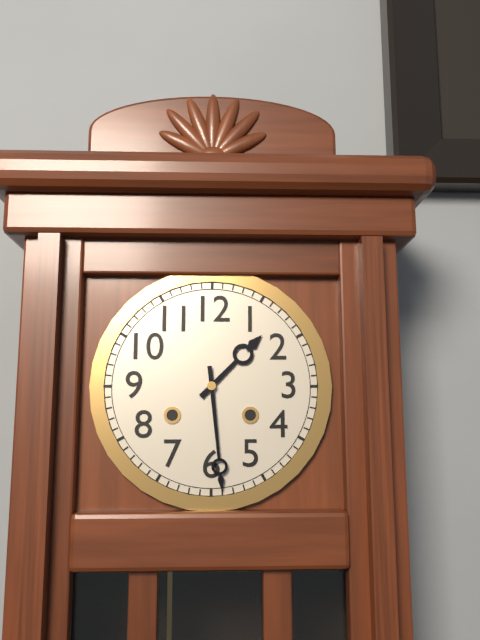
{"hour": 1, "minute": 29}
